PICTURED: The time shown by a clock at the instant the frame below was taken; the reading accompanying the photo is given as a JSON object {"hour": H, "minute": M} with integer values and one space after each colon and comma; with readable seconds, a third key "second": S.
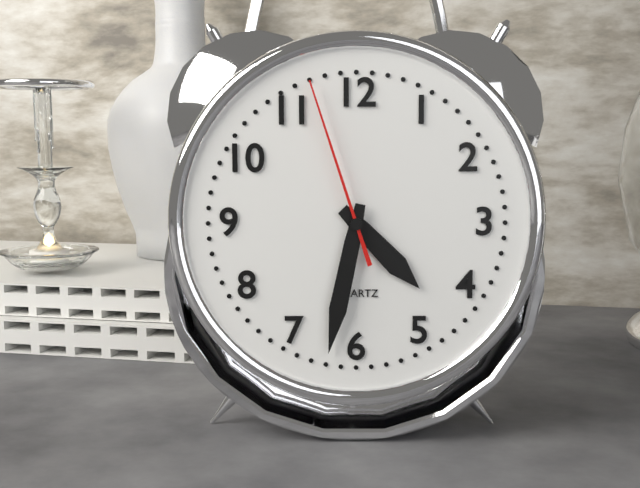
{"hour": 4, "minute": 32, "second": 57}
